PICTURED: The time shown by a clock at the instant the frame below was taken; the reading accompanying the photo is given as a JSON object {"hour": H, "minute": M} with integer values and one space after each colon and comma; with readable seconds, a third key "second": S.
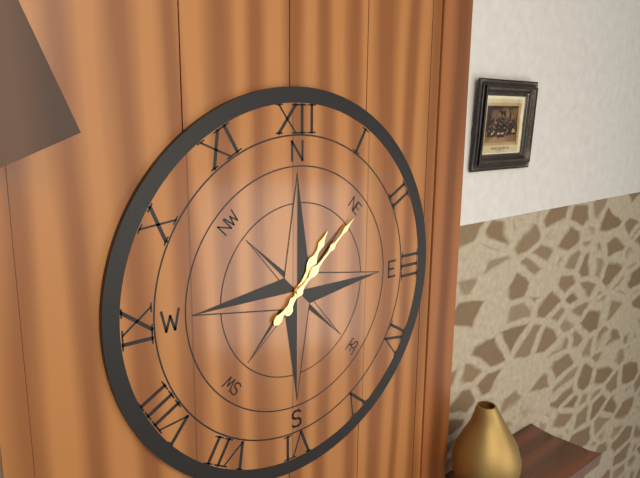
{"hour": 1, "minute": 8}
